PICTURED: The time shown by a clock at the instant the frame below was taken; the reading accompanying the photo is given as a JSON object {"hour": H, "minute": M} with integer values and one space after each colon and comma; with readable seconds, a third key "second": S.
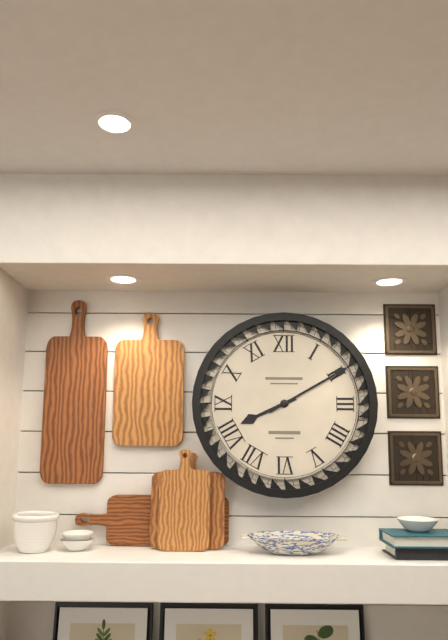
{"hour": 8, "minute": 10}
